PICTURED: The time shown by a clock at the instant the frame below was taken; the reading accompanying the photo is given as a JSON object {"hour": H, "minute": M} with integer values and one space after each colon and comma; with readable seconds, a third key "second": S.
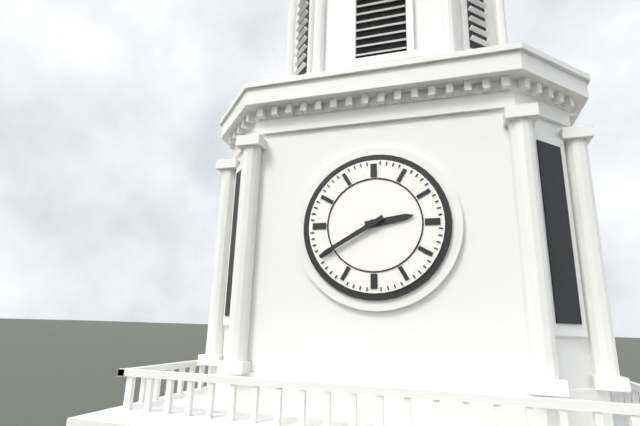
{"hour": 2, "minute": 40}
